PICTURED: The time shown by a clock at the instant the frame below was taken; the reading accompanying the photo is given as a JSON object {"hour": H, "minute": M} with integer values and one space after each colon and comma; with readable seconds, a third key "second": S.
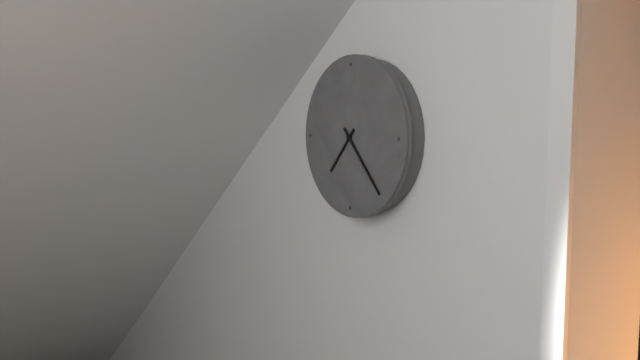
{"hour": 7, "minute": 23}
